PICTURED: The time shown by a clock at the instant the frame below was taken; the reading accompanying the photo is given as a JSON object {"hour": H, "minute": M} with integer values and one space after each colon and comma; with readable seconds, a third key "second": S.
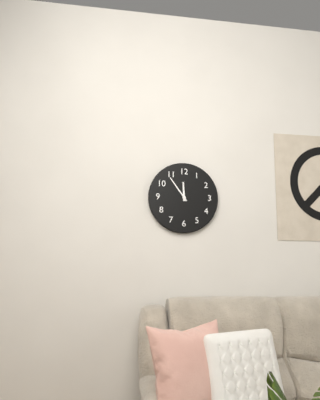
{"hour": 11, "minute": 54}
